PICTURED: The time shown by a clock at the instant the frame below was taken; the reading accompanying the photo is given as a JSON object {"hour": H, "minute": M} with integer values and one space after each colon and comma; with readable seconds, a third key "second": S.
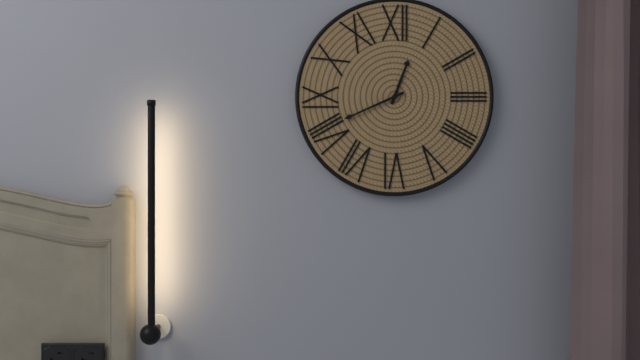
{"hour": 12, "minute": 41}
